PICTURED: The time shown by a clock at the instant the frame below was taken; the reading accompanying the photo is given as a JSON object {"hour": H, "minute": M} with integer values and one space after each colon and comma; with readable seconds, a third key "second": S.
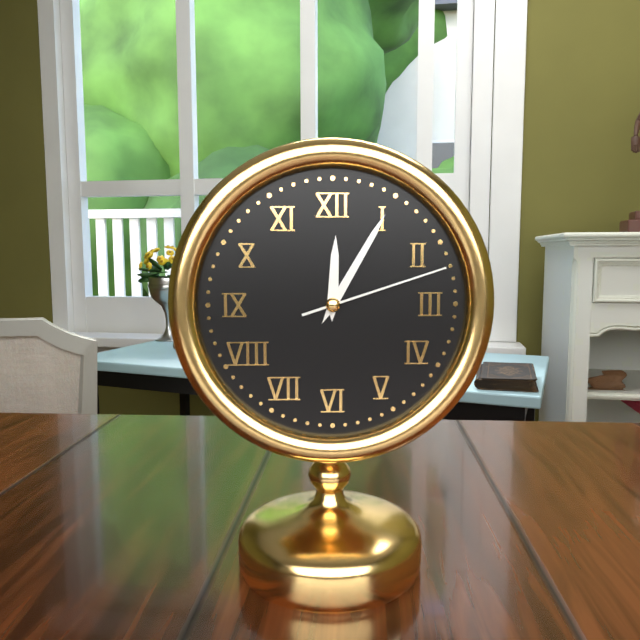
{"hour": 12, "minute": 5, "second": 12}
